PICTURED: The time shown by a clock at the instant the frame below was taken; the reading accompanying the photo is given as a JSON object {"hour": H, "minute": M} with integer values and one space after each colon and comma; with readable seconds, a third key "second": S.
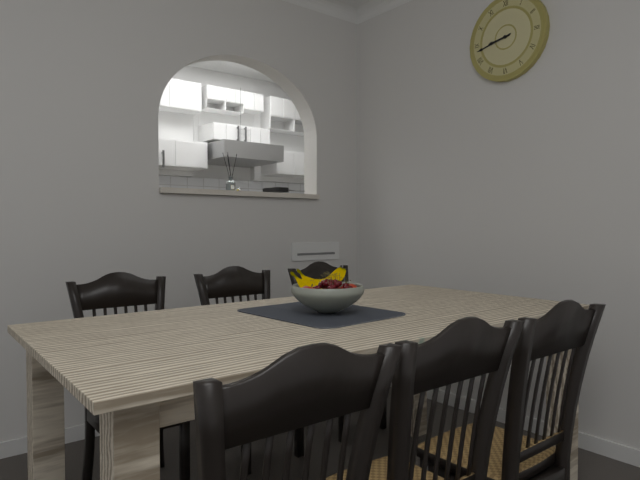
{"hour": 8, "minute": 43}
